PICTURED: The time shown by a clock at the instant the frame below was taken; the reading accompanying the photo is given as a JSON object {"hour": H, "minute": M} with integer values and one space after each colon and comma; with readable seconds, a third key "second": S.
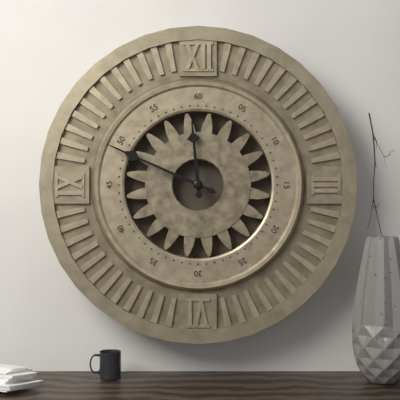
{"hour": 11, "minute": 49}
